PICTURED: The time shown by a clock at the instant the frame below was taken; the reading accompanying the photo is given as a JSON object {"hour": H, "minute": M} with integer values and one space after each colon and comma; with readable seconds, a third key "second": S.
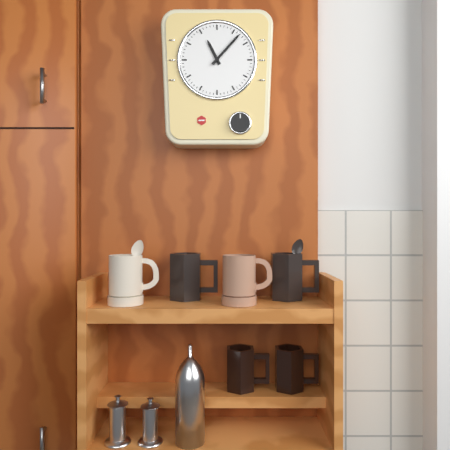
{"hour": 11, "minute": 7}
